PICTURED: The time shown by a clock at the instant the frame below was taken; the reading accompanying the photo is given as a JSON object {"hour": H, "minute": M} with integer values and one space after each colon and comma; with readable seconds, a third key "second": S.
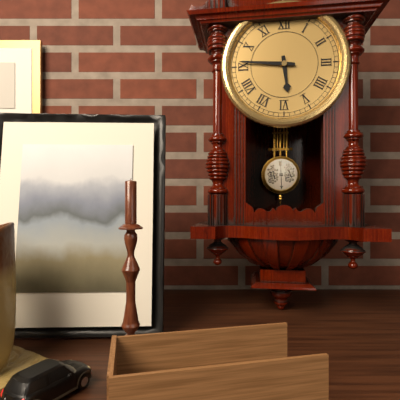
{"hour": 5, "minute": 46}
